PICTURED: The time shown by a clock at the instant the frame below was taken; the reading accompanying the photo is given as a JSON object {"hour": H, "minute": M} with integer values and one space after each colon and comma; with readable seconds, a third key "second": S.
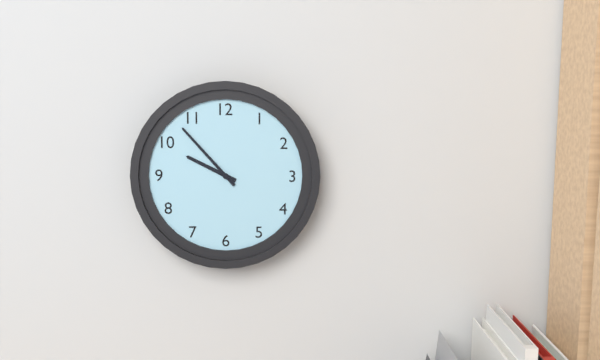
{"hour": 9, "minute": 53}
